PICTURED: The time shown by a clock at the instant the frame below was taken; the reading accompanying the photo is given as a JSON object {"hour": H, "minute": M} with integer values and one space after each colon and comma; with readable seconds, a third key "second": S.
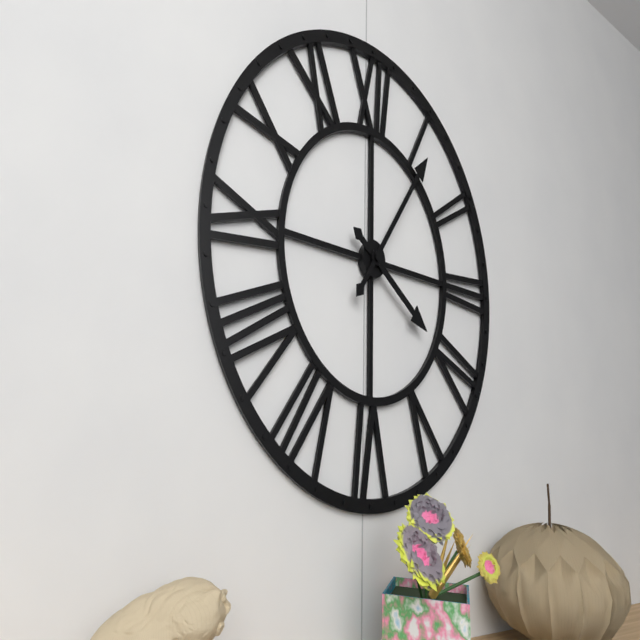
{"hour": 4, "minute": 6}
